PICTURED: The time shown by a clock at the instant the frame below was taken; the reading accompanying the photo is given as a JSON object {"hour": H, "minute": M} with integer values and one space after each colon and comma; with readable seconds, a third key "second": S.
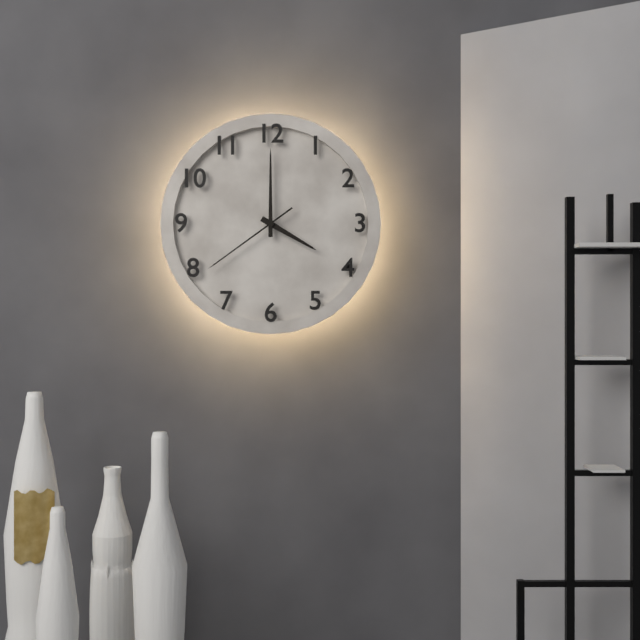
{"hour": 4, "minute": 0, "second": 39}
